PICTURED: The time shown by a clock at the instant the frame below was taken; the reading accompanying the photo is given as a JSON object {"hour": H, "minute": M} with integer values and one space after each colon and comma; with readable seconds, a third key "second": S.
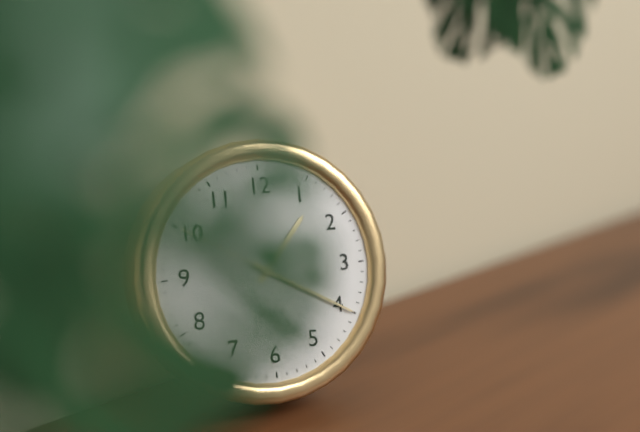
{"hour": 1, "minute": 20}
